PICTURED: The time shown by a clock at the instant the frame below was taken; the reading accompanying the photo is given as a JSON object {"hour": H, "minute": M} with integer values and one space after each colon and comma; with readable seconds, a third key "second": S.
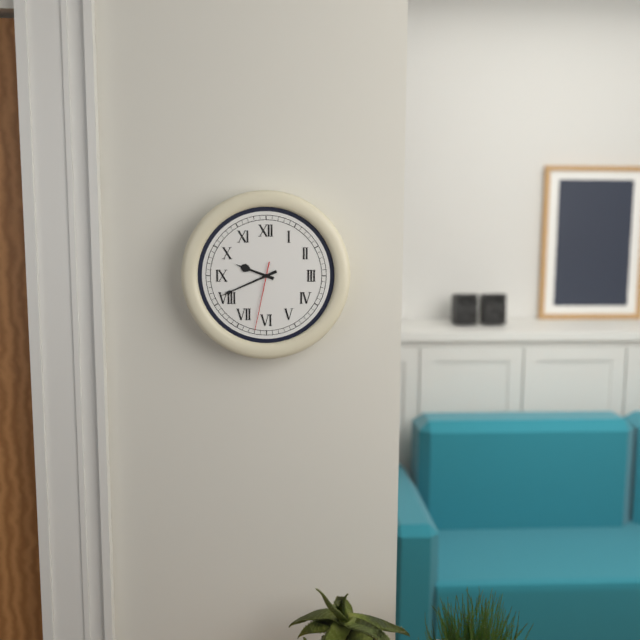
{"hour": 9, "minute": 41, "second": 32}
